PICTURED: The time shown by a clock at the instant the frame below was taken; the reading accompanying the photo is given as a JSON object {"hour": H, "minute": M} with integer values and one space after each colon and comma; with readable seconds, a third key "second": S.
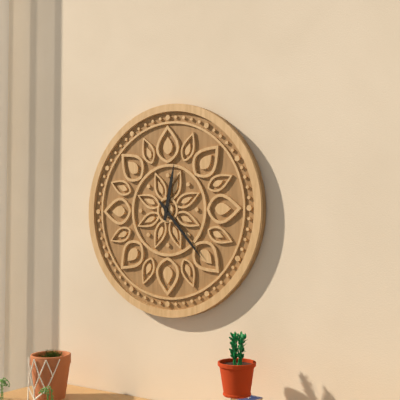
{"hour": 12, "minute": 23}
